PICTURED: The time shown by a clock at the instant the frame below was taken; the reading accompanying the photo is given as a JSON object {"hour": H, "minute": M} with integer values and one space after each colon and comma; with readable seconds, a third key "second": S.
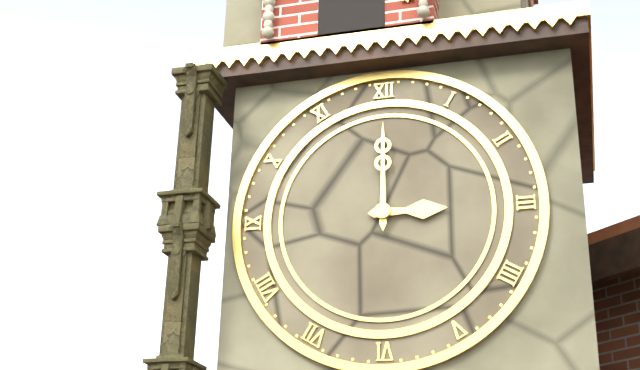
{"hour": 3, "minute": 0}
